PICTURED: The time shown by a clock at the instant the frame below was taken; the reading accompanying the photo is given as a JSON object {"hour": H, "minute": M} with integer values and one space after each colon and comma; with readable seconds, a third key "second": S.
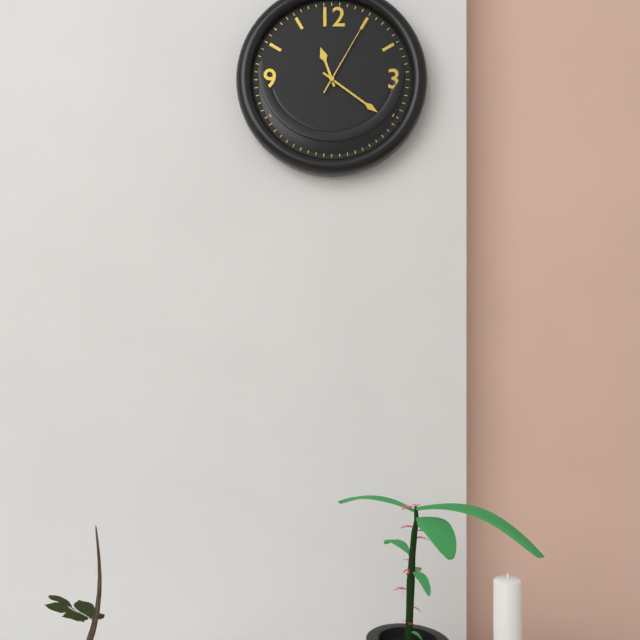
{"hour": 11, "minute": 21, "second": 5}
